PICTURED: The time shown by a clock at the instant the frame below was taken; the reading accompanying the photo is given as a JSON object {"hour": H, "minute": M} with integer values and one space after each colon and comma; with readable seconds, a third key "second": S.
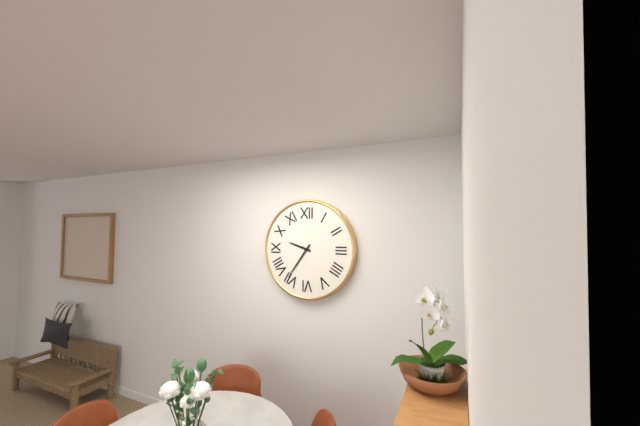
{"hour": 9, "minute": 36}
